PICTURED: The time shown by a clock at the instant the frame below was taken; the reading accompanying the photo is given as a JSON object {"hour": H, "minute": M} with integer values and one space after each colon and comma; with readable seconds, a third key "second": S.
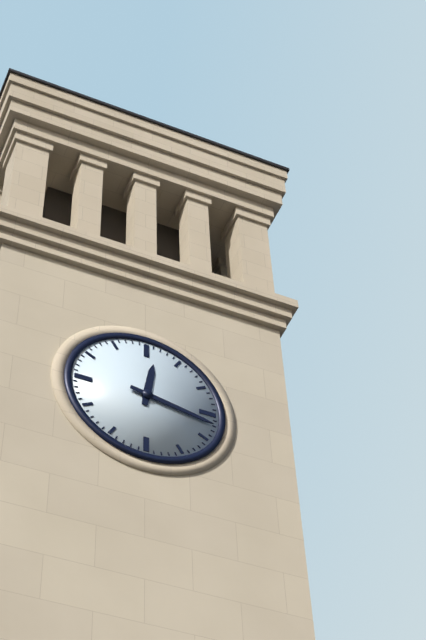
{"hour": 12, "minute": 17}
